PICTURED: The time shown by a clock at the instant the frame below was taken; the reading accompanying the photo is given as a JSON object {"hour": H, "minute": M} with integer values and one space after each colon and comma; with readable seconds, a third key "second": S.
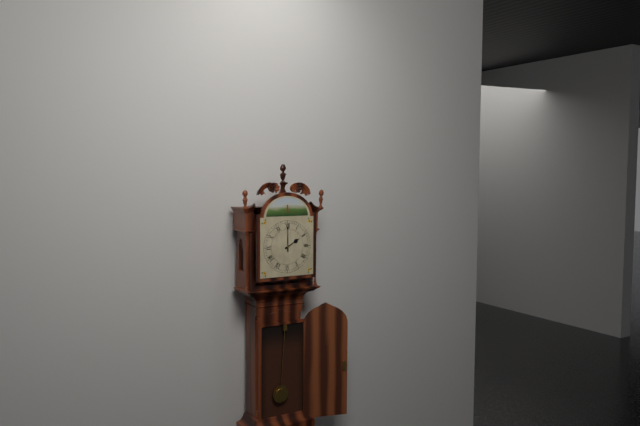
{"hour": 2, "minute": 0}
